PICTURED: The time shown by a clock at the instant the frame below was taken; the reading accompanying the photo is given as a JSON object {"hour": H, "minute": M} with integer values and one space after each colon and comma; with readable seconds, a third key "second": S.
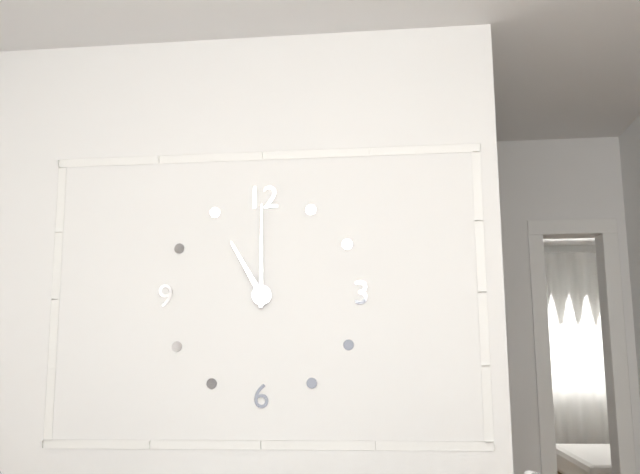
{"hour": 11, "minute": 0}
